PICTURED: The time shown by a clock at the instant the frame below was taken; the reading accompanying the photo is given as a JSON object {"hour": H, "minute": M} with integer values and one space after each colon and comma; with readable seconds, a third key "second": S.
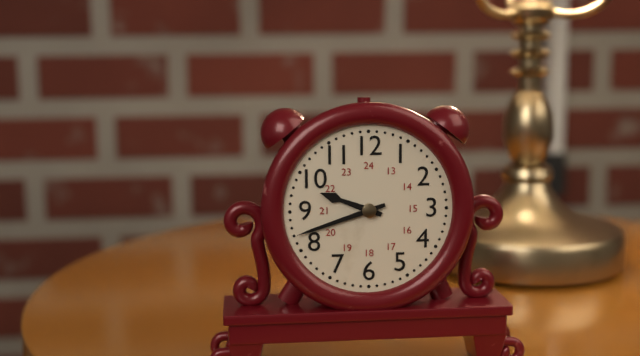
{"hour": 9, "minute": 42}
